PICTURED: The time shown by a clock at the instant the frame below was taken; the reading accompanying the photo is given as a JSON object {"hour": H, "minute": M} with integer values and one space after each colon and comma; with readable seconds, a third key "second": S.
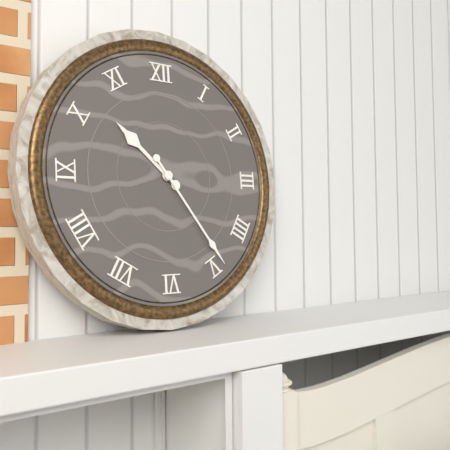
{"hour": 10, "minute": 24}
